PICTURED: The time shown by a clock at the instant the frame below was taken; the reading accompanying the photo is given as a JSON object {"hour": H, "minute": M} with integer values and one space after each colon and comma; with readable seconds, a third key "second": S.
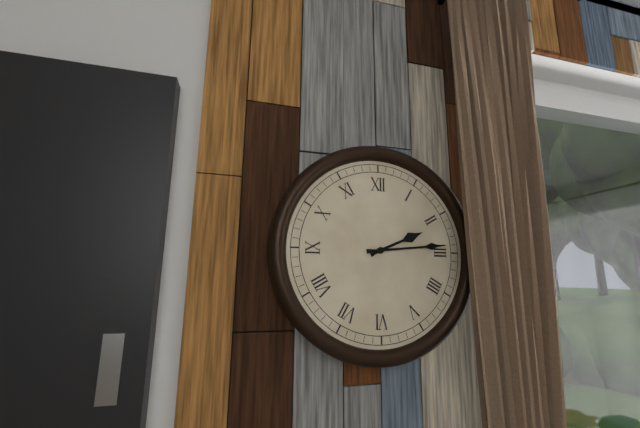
{"hour": 2, "minute": 14}
